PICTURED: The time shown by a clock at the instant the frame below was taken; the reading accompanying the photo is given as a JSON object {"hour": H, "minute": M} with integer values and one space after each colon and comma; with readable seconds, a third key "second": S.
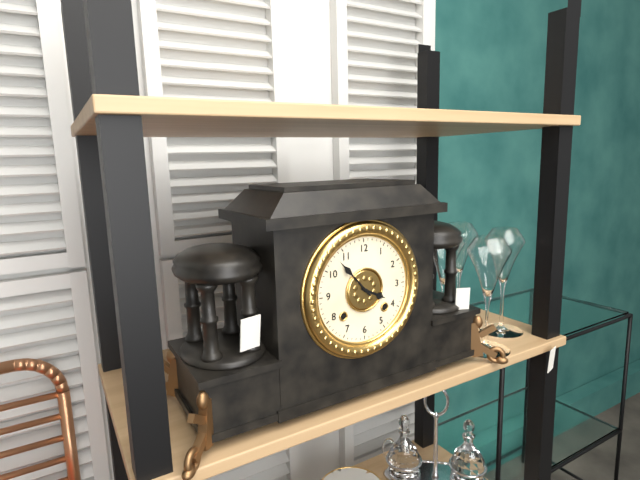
{"hour": 3, "minute": 53}
